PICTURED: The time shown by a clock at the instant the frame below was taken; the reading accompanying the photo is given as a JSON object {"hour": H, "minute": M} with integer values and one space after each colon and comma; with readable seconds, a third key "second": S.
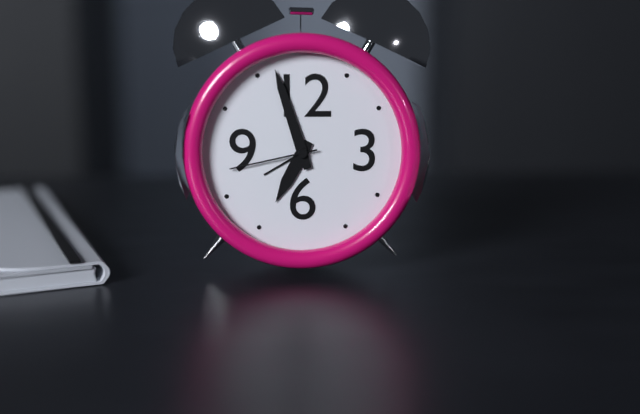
{"hour": 6, "minute": 57, "second": 43}
